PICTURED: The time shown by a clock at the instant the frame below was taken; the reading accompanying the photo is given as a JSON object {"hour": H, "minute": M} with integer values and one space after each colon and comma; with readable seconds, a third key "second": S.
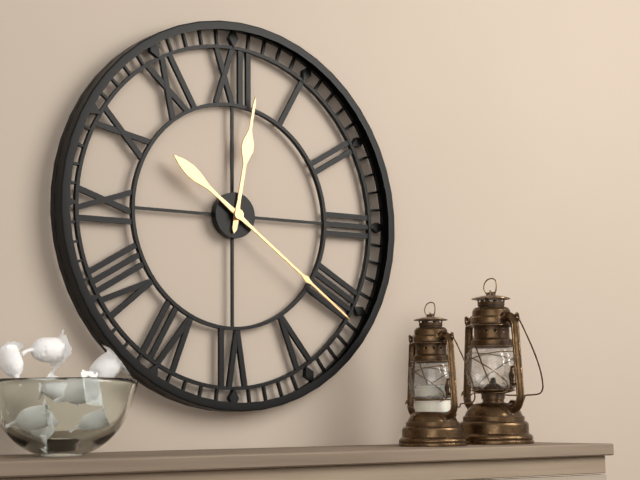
{"hour": 12, "minute": 21}
